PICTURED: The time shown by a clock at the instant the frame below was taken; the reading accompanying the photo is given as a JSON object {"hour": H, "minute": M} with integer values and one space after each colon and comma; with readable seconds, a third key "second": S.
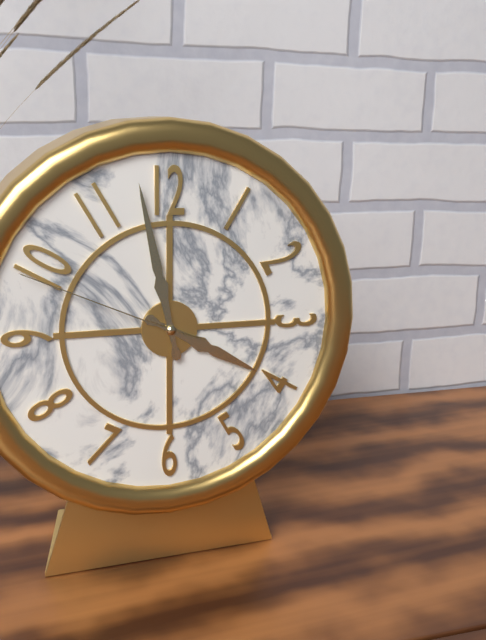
{"hour": 3, "minute": 58, "second": 49}
